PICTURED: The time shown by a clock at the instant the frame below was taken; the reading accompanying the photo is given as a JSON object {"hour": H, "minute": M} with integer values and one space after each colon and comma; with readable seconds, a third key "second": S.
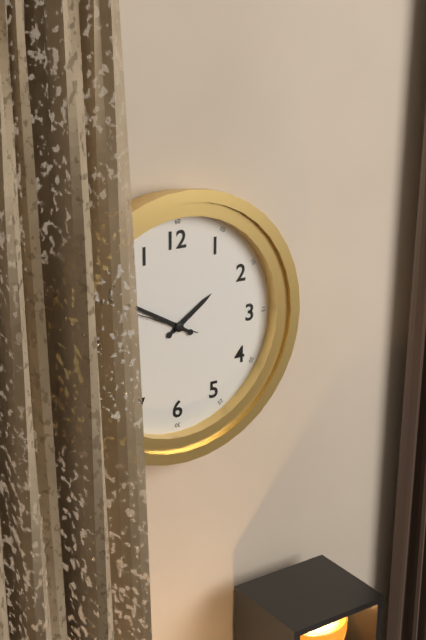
{"hour": 1, "minute": 50, "second": 49}
